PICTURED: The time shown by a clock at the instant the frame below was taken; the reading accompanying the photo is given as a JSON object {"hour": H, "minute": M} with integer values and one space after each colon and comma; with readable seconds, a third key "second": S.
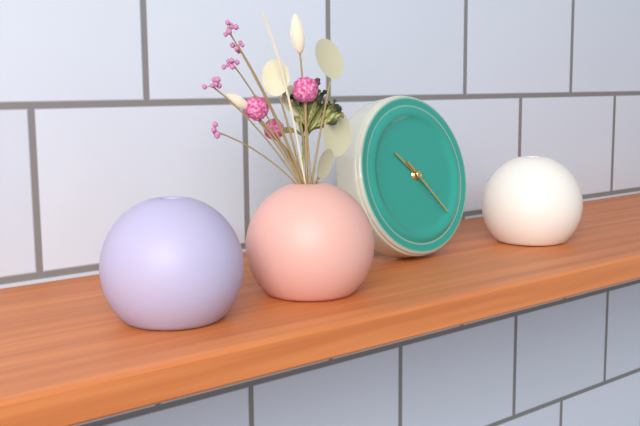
{"hour": 10, "minute": 23}
